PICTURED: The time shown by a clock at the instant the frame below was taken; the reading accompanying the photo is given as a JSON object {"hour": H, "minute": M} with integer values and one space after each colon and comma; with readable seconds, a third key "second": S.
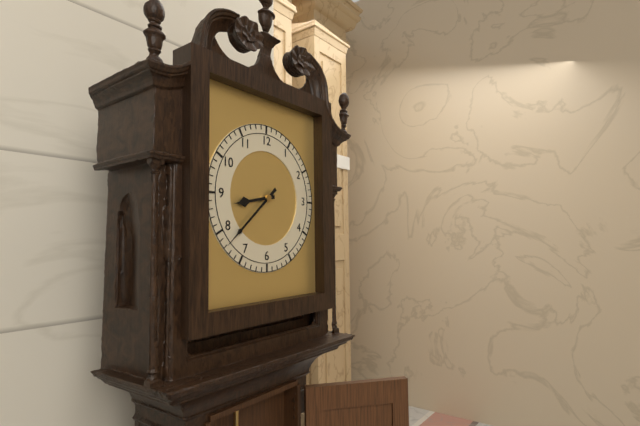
{"hour": 8, "minute": 38}
